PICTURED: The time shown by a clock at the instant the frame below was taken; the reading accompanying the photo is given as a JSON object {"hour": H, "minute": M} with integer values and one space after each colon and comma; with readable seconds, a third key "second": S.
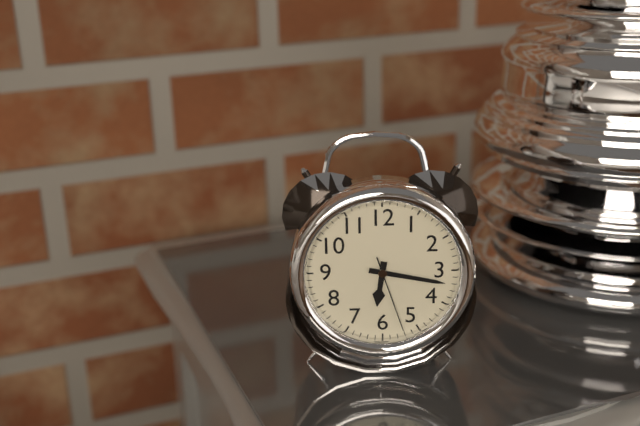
{"hour": 6, "minute": 17, "second": 27}
